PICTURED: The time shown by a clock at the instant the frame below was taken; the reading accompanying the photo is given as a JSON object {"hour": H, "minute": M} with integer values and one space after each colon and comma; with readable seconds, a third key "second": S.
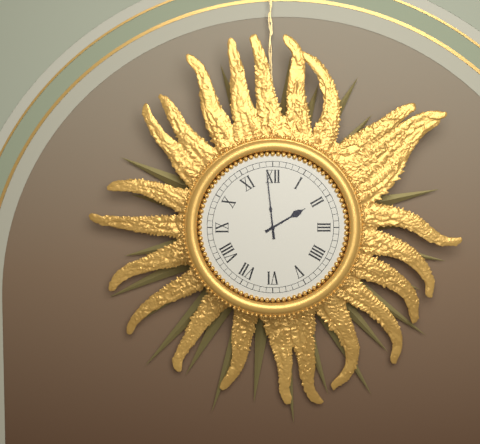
{"hour": 1, "minute": 59}
